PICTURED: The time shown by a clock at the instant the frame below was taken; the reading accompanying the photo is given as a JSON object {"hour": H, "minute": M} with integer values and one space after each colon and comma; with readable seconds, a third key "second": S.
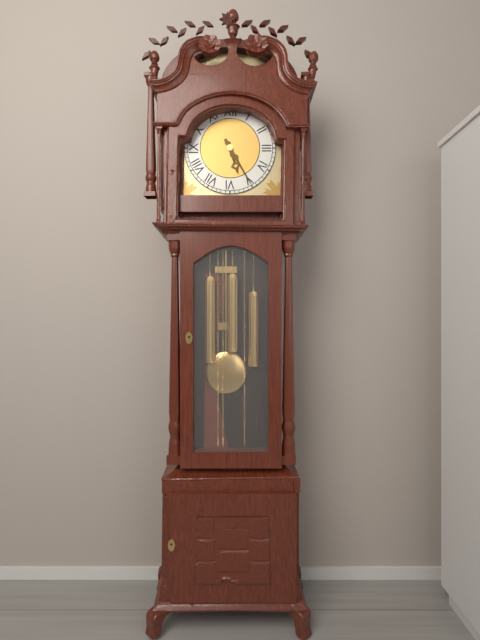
{"hour": 5, "minute": 25}
